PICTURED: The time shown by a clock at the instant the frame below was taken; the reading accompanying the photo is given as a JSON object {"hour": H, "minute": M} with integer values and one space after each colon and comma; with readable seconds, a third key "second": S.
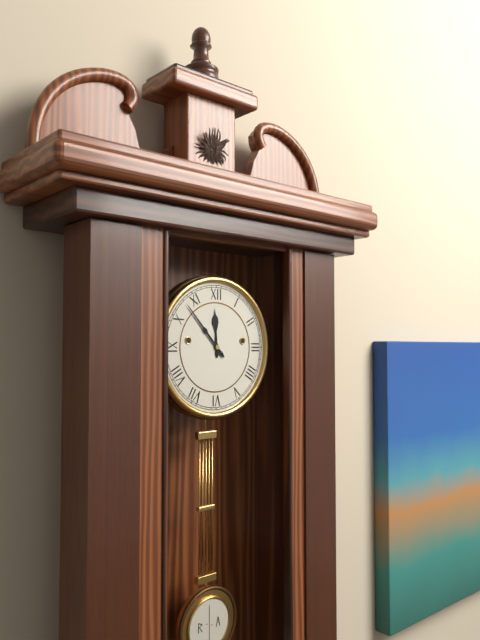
{"hour": 11, "minute": 53}
